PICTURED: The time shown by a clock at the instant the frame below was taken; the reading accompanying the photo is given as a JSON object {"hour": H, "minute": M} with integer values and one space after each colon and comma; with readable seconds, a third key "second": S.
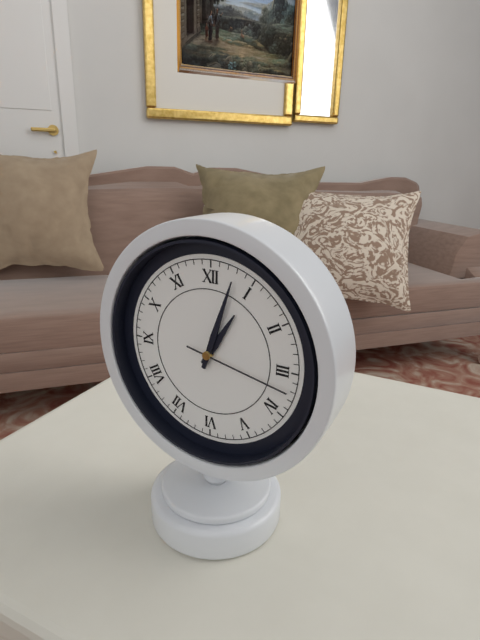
{"hour": 1, "minute": 3, "second": 17}
